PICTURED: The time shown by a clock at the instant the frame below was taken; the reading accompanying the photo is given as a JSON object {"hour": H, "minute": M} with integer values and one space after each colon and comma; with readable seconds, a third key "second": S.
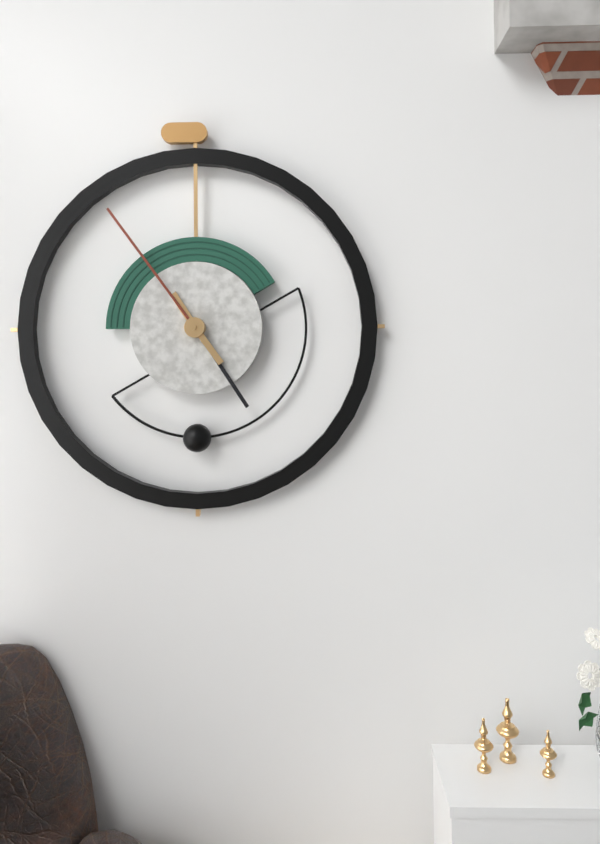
{"hour": 4, "minute": 54}
